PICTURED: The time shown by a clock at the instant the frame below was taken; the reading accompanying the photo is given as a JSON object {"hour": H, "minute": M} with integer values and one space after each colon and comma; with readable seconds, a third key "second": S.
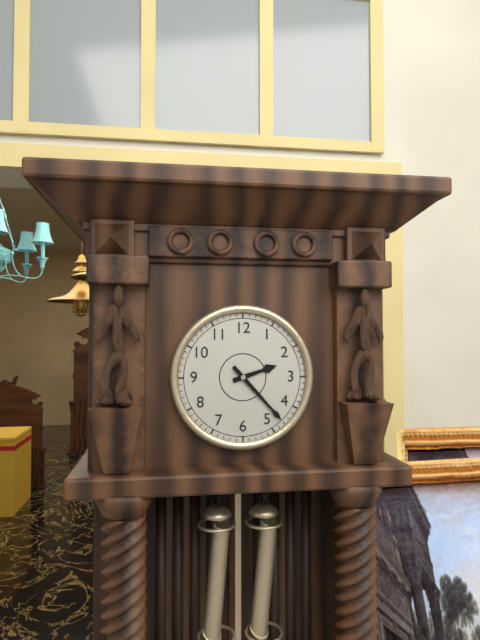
{"hour": 2, "minute": 23}
